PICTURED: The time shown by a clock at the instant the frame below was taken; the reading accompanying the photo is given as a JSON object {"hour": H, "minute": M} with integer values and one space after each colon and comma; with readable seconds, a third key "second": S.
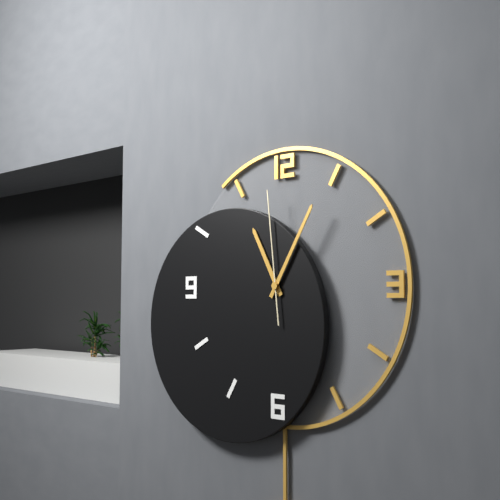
{"hour": 11, "minute": 5, "second": 59}
